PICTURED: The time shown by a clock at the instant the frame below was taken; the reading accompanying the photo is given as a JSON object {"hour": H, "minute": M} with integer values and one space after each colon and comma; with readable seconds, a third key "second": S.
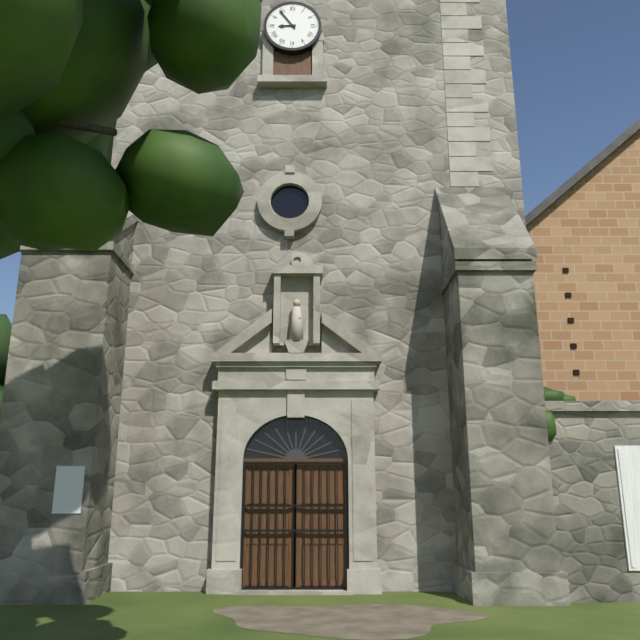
{"hour": 8, "minute": 54}
